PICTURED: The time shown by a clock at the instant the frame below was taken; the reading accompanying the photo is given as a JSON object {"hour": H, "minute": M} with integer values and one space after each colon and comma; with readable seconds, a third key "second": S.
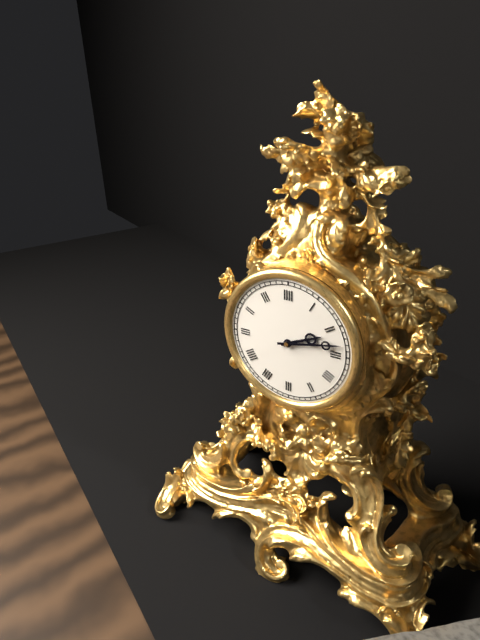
{"hour": 2, "minute": 13}
